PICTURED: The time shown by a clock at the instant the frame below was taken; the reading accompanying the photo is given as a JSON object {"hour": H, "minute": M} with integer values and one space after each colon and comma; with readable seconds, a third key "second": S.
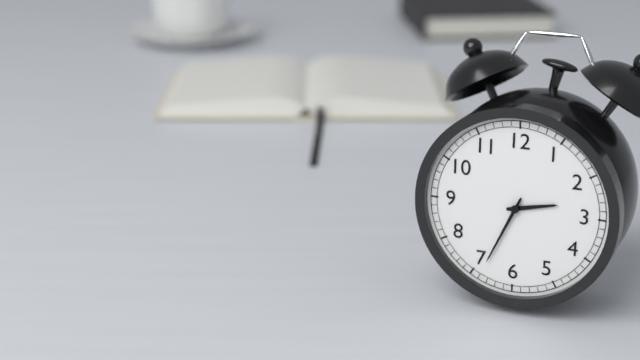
{"hour": 2, "minute": 34}
